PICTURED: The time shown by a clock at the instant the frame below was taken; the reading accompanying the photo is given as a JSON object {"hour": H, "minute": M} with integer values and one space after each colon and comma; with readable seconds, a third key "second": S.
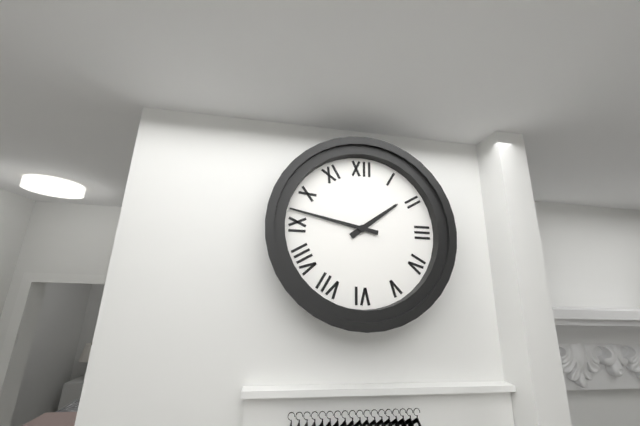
{"hour": 1, "minute": 47}
